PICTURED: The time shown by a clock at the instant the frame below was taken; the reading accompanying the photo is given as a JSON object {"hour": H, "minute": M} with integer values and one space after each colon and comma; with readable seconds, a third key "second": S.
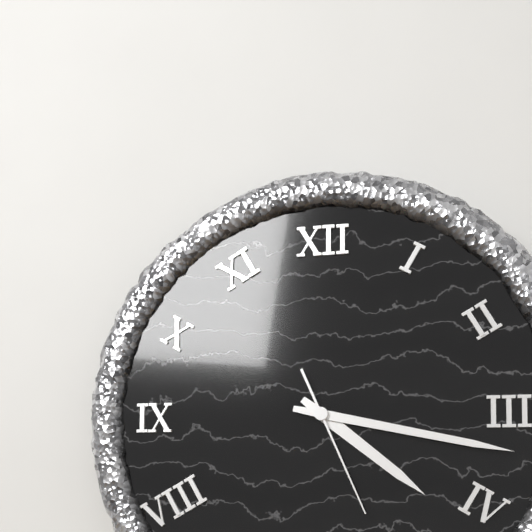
{"hour": 4, "minute": 17, "second": 26}
